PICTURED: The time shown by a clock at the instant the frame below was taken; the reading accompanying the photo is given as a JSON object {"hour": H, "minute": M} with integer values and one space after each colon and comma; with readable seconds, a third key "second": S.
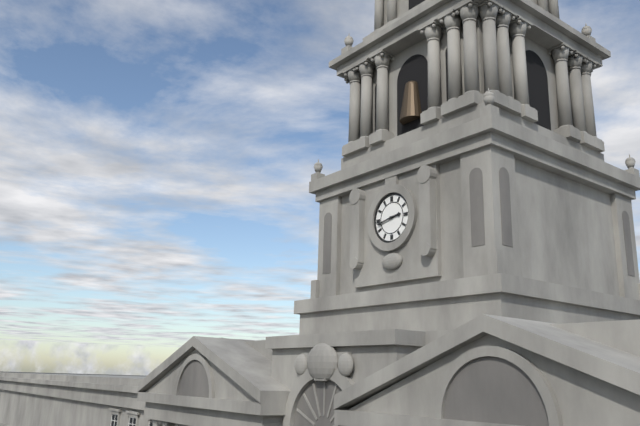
{"hour": 2, "minute": 43}
